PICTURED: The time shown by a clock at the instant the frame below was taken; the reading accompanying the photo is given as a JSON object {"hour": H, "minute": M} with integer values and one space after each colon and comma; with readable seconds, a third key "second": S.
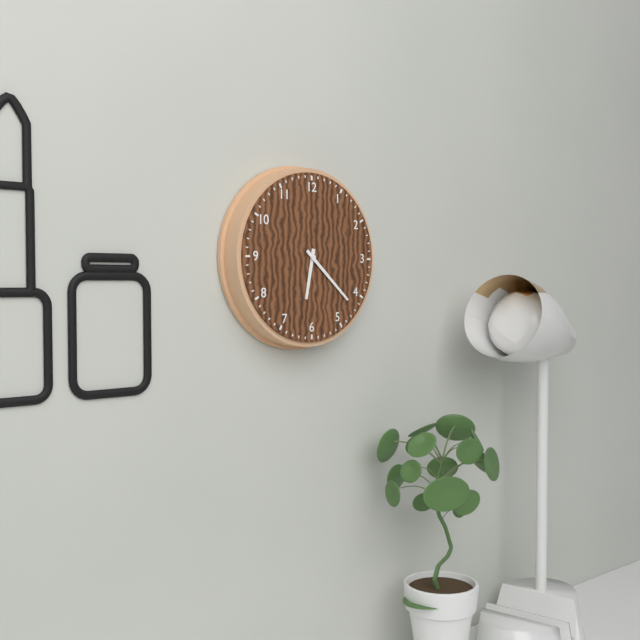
{"hour": 6, "minute": 22}
